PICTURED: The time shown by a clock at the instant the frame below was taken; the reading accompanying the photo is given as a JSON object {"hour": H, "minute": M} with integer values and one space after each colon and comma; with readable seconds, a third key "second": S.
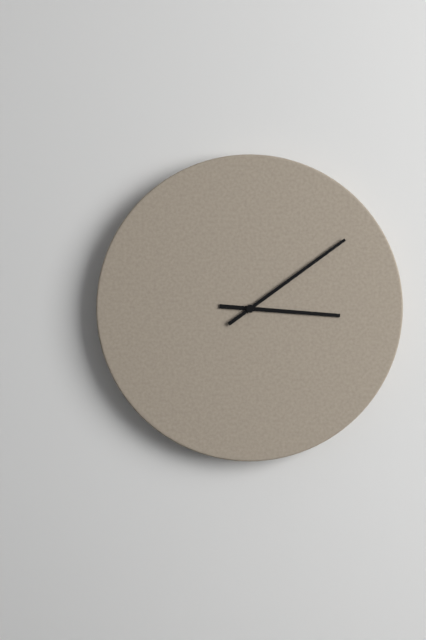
{"hour": 3, "minute": 9}
